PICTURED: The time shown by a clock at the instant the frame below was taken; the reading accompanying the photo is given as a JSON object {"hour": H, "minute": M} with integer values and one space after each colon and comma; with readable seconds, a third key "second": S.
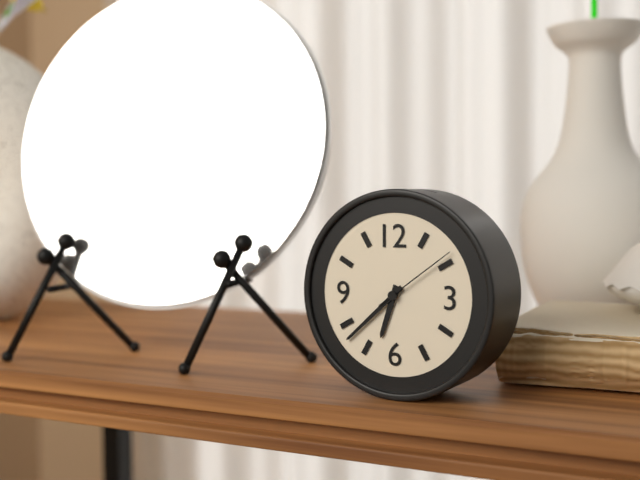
{"hour": 6, "minute": 38, "second": 9}
